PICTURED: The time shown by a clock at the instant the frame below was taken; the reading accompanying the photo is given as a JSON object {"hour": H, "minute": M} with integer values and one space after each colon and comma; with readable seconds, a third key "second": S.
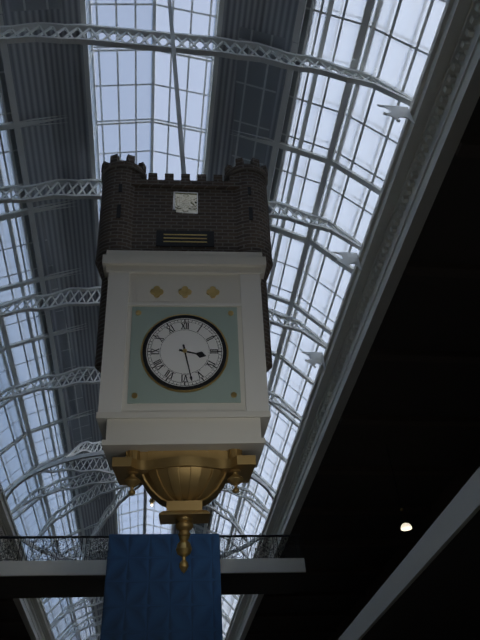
{"hour": 3, "minute": 28}
